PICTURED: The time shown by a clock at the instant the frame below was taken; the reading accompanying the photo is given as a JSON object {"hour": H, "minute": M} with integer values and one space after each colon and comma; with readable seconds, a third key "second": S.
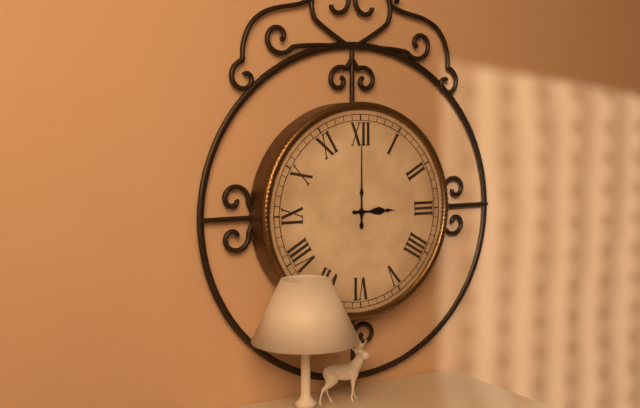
{"hour": 3, "minute": 0}
